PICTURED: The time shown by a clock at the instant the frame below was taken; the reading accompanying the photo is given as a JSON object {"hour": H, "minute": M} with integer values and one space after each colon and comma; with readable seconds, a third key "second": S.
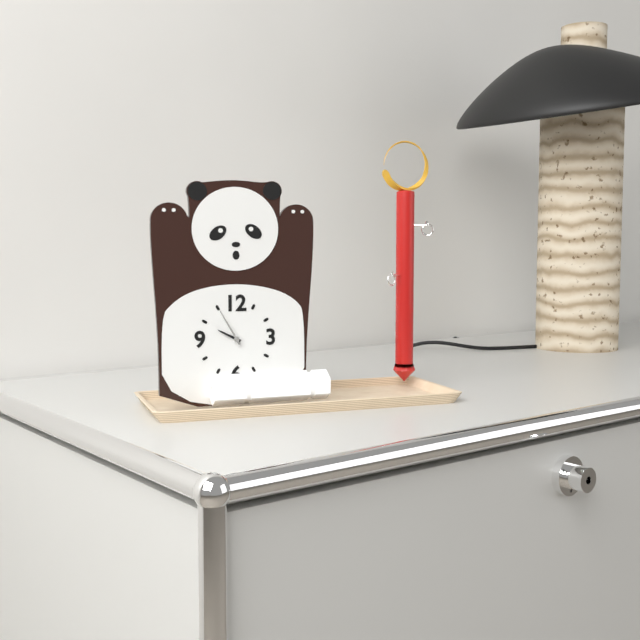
{"hour": 9, "minute": 55}
